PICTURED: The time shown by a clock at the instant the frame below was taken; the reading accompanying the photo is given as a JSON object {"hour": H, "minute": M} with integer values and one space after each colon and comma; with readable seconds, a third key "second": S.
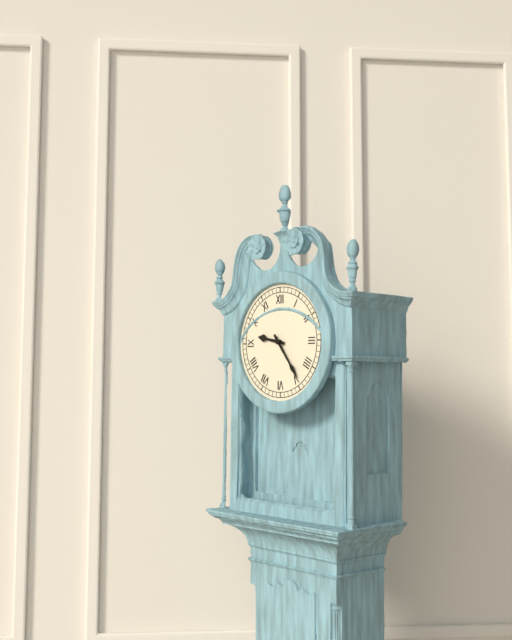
{"hour": 9, "minute": 24}
